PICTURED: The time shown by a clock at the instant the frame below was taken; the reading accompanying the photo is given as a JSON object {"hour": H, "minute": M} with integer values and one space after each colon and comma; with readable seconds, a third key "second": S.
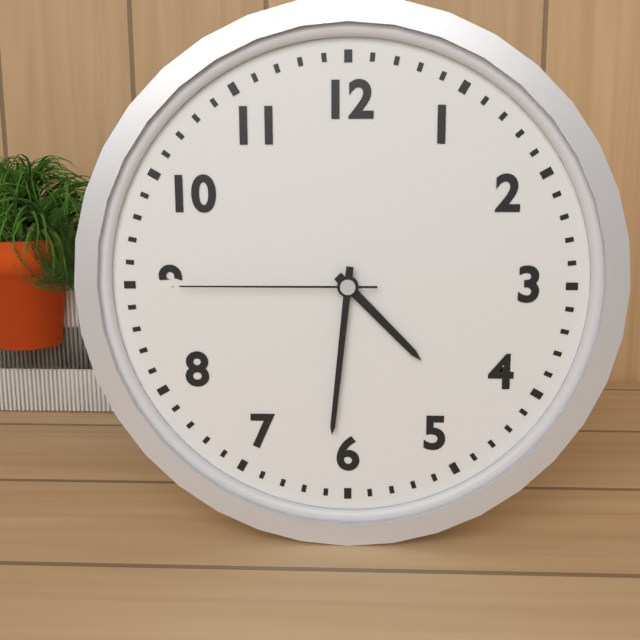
{"hour": 4, "minute": 31, "second": 45}
